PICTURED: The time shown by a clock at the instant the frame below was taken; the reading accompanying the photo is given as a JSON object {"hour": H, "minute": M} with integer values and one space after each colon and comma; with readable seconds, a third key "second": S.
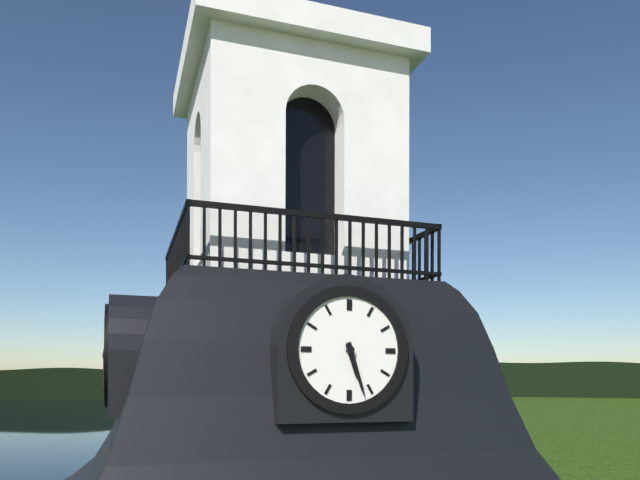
{"hour": 5, "minute": 27}
